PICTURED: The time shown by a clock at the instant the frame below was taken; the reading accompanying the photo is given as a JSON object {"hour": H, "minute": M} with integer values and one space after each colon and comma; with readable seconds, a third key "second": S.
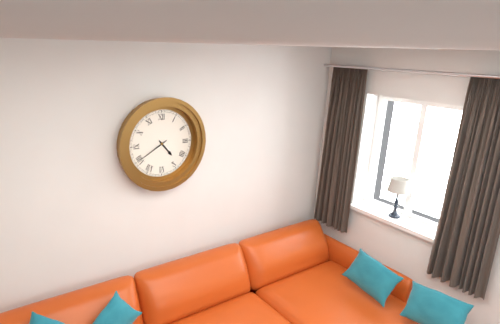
{"hour": 4, "minute": 40}
